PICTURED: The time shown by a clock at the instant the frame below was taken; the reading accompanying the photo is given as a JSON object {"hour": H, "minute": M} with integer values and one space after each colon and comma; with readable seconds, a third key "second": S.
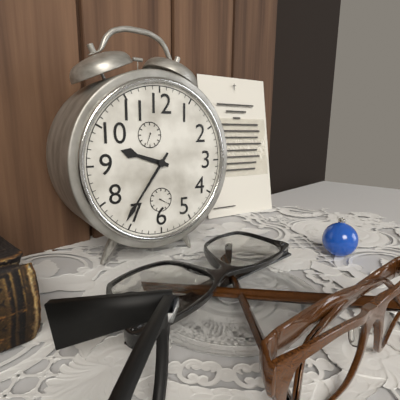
{"hour": 9, "minute": 36}
